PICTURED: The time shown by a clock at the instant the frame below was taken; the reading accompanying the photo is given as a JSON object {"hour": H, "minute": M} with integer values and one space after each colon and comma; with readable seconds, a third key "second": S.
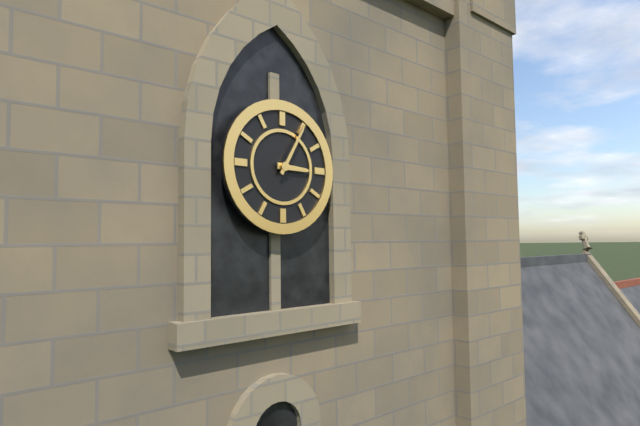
{"hour": 3, "minute": 5}
